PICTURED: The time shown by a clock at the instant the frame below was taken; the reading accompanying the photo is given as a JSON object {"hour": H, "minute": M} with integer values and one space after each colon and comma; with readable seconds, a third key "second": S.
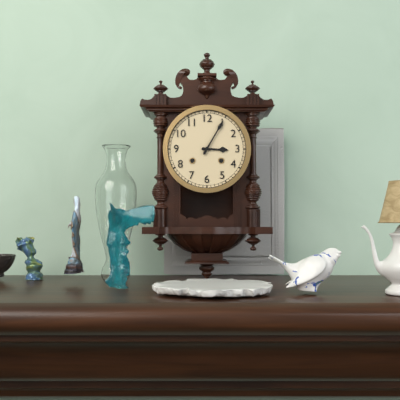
{"hour": 3, "minute": 5}
